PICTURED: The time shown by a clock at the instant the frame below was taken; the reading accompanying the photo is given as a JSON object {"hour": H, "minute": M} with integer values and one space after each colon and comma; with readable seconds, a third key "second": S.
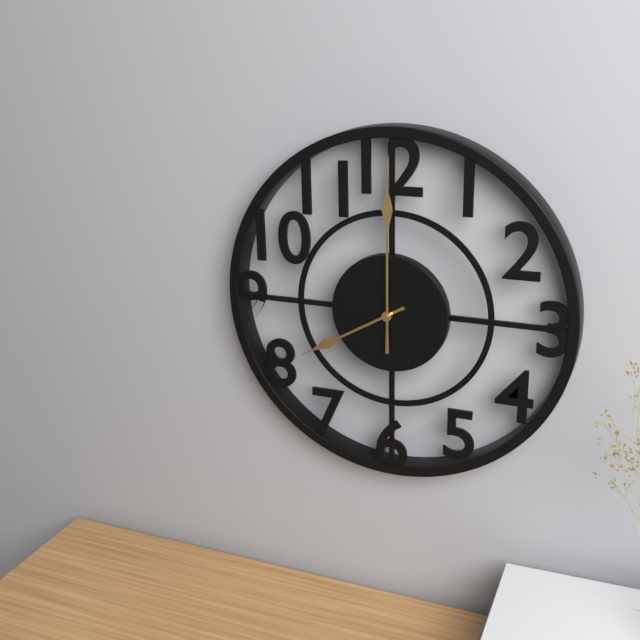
{"hour": 8, "minute": 0}
